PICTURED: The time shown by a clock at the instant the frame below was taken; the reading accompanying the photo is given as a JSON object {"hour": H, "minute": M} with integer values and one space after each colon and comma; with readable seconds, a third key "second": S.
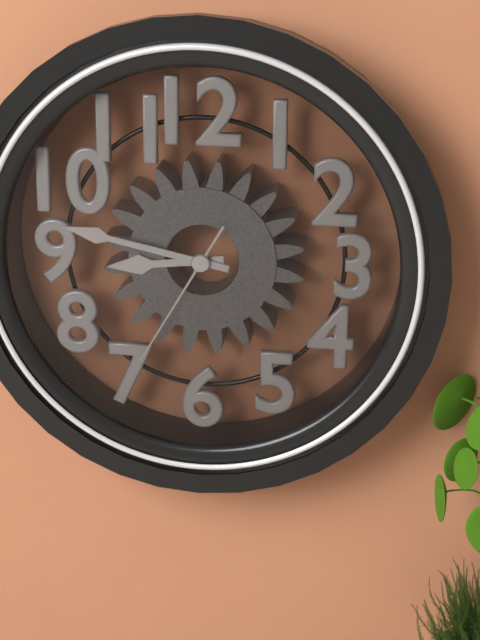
{"hour": 8, "minute": 47, "second": 35}
